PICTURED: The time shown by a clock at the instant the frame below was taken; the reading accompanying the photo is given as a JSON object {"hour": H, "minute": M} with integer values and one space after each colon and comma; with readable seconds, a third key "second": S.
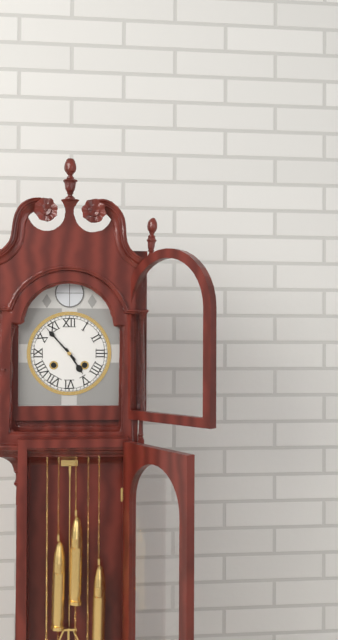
{"hour": 4, "minute": 53}
